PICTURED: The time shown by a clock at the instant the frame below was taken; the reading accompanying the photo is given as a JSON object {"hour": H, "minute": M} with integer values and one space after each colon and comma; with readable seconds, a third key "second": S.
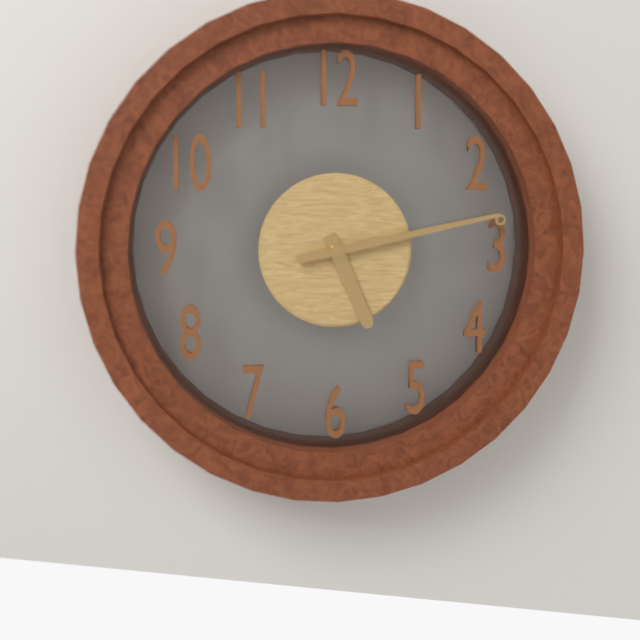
{"hour": 5, "minute": 13}
